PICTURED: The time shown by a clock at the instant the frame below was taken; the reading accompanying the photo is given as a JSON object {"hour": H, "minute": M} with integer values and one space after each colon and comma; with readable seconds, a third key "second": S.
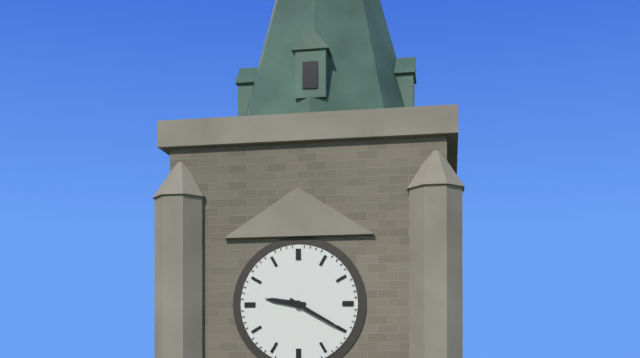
{"hour": 9, "minute": 20}
